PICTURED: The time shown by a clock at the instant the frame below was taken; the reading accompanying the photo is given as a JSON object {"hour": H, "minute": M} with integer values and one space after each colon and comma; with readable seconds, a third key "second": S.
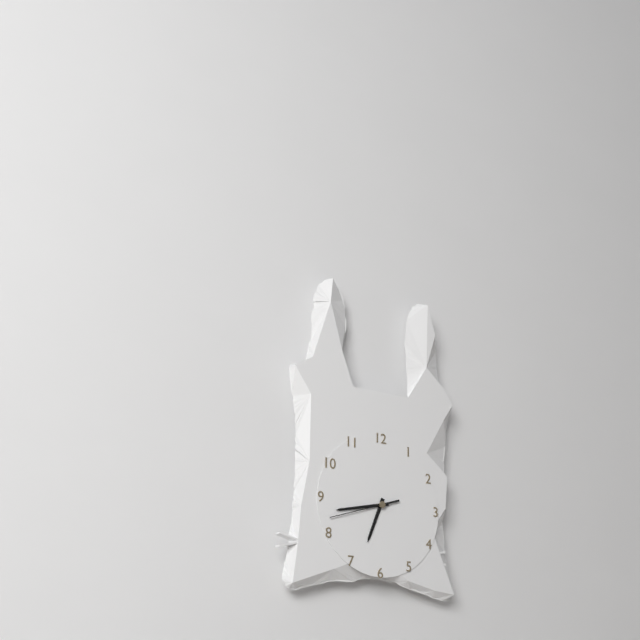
{"hour": 6, "minute": 43, "second": 42}
